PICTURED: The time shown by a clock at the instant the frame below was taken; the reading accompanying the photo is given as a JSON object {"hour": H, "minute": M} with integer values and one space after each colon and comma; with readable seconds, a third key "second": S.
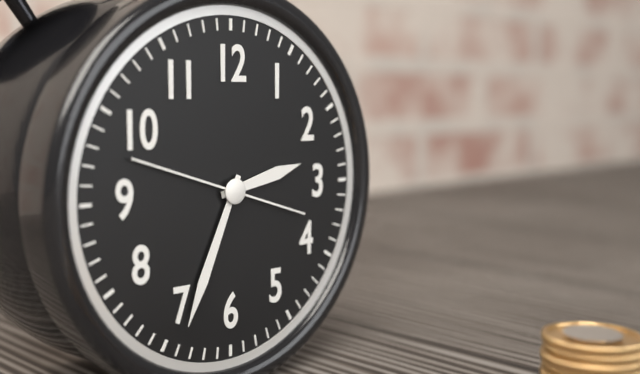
{"hour": 2, "minute": 34, "second": 48}
